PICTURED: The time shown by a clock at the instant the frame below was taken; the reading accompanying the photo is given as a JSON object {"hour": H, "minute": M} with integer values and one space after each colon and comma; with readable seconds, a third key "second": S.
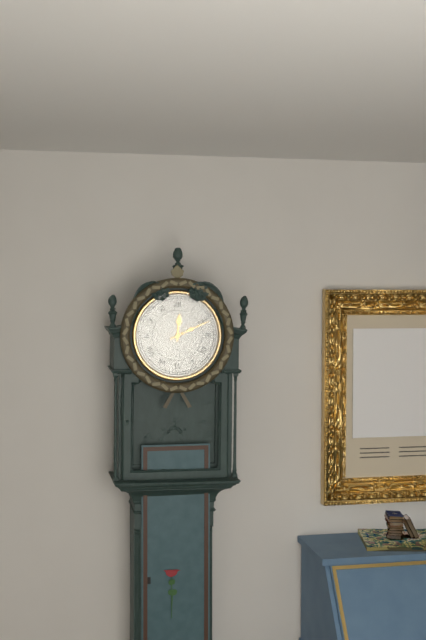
{"hour": 12, "minute": 11}
